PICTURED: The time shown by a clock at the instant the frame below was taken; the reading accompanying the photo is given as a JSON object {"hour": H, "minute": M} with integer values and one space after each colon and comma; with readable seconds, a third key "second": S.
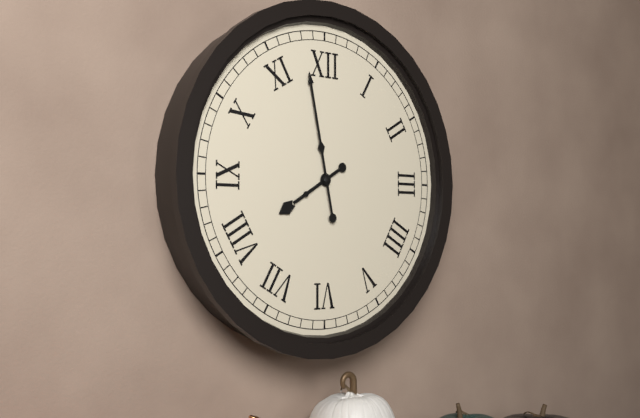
{"hour": 7, "minute": 58}
